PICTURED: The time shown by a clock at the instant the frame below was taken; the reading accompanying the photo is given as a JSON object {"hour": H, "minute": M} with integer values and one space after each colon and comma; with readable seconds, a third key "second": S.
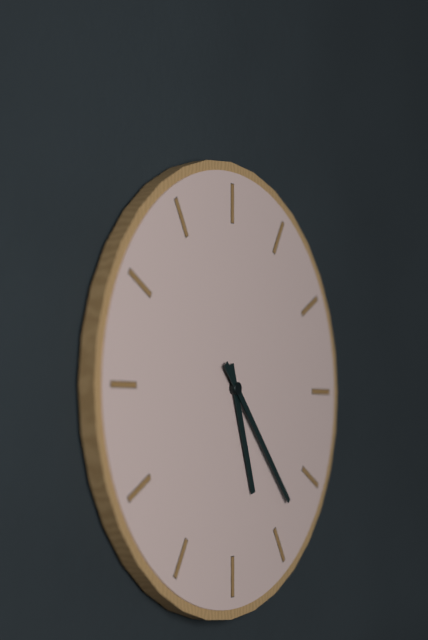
{"hour": 5, "minute": 23}
